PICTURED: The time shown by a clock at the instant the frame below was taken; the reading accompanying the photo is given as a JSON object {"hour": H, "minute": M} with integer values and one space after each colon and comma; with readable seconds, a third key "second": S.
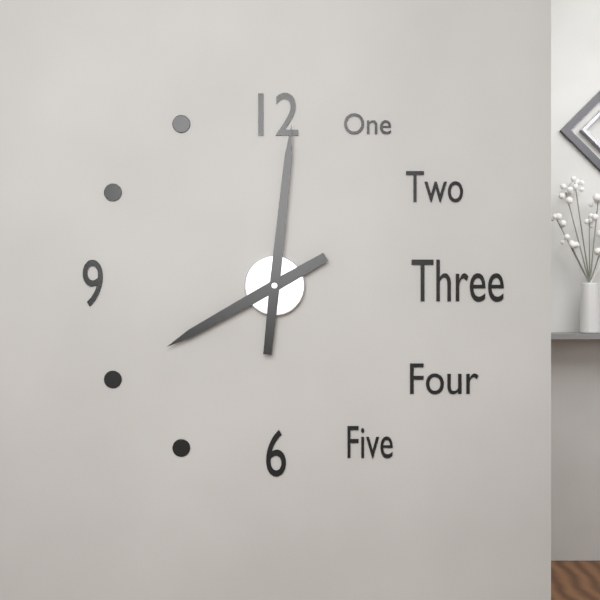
{"hour": 8, "minute": 1}
